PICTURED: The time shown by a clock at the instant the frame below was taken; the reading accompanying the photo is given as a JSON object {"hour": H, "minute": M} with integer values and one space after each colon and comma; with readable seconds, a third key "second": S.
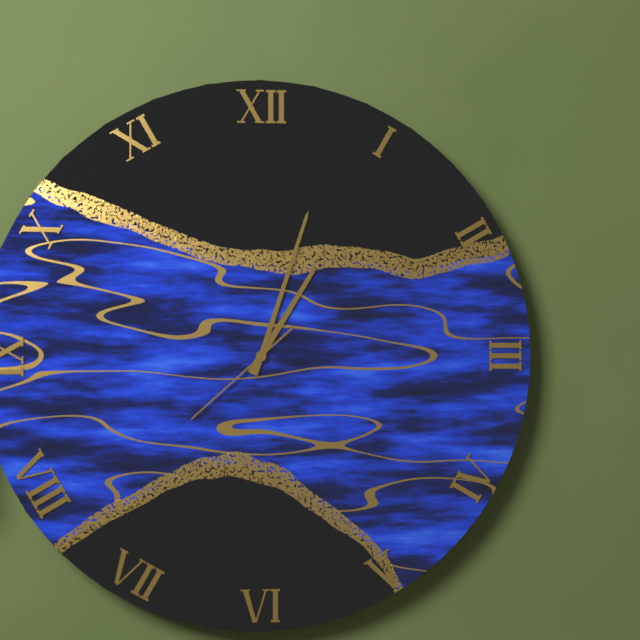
{"hour": 1, "minute": 3, "second": 38}
